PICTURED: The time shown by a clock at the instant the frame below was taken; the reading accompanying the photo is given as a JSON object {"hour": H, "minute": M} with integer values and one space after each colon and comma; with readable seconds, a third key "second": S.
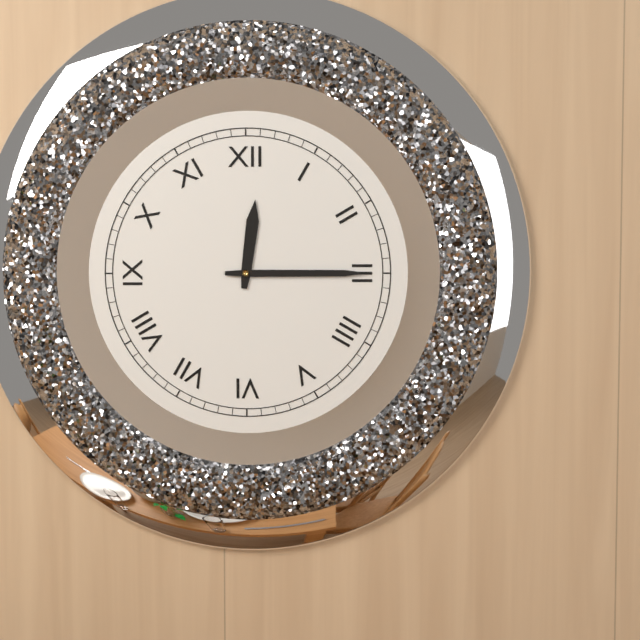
{"hour": 12, "minute": 15}
